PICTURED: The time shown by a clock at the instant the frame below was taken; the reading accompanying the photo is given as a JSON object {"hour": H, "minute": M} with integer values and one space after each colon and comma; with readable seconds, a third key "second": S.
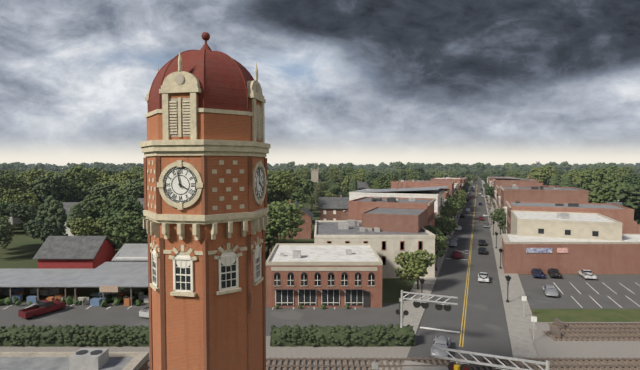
{"hour": 3, "minute": 58}
